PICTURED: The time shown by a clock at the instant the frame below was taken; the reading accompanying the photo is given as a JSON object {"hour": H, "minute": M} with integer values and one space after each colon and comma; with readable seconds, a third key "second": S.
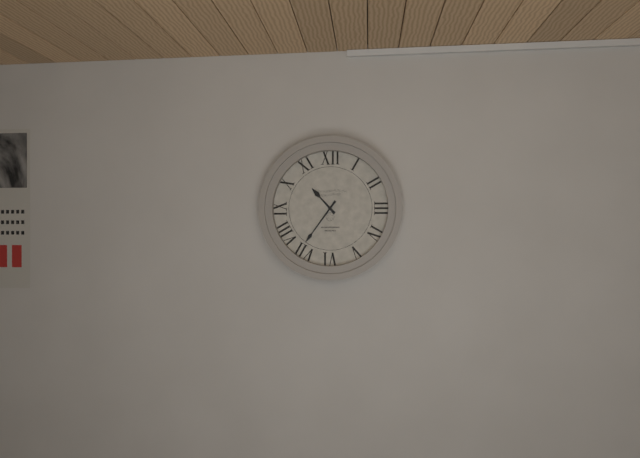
{"hour": 10, "minute": 36}
